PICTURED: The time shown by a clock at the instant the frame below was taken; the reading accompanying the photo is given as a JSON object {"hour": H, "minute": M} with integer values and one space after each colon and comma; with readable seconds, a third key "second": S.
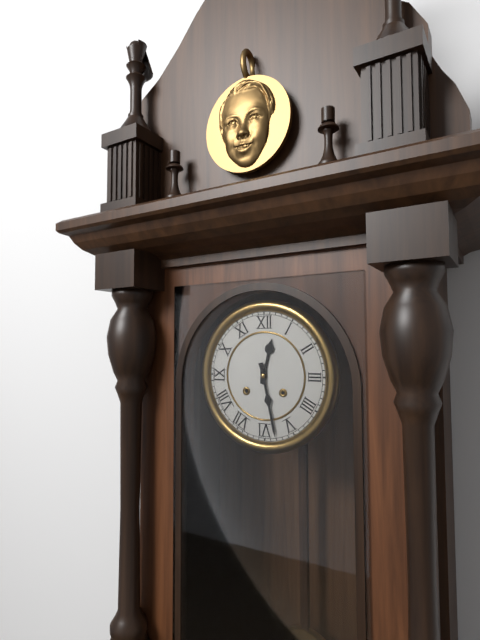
{"hour": 12, "minute": 28}
